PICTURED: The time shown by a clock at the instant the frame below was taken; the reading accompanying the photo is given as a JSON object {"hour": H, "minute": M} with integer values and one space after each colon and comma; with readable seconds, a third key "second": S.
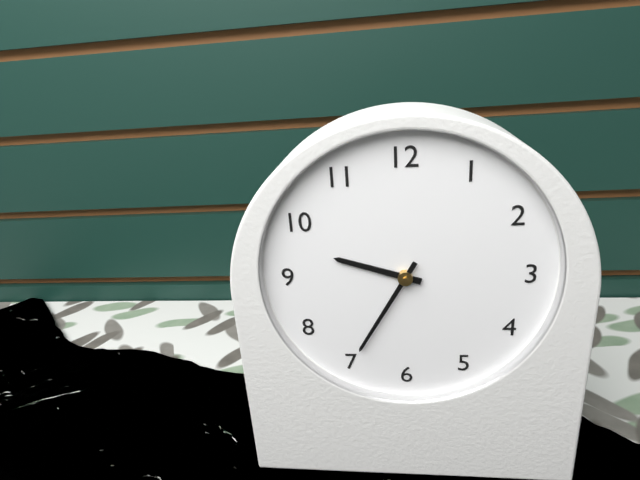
{"hour": 9, "minute": 35}
